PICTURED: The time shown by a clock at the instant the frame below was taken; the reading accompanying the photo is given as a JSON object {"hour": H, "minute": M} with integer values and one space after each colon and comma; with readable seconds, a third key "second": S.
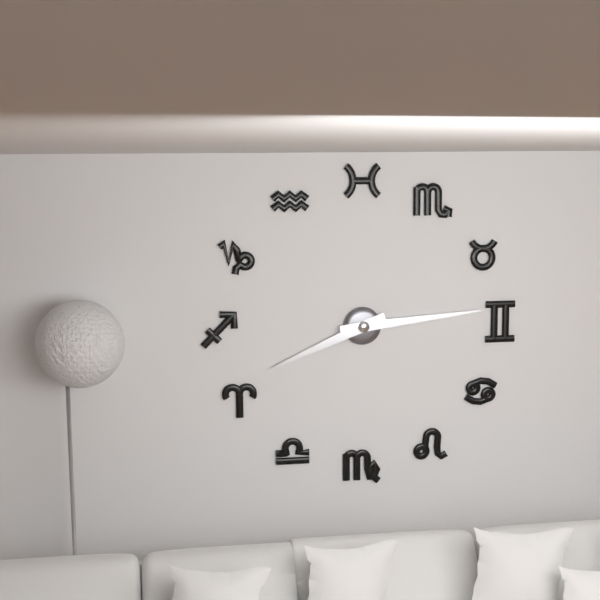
{"hour": 8, "minute": 14}
